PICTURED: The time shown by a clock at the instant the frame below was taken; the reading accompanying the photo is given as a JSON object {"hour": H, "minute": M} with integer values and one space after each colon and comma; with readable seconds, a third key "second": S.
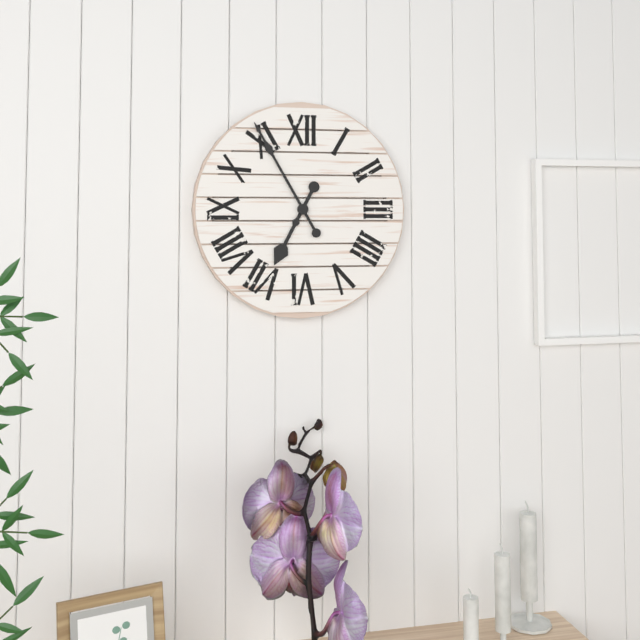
{"hour": 6, "minute": 55}
